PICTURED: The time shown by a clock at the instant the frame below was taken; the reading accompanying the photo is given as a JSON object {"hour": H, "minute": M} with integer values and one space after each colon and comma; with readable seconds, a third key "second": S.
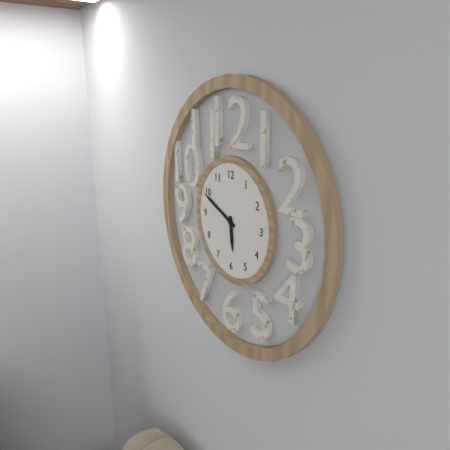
{"hour": 5, "minute": 49}
